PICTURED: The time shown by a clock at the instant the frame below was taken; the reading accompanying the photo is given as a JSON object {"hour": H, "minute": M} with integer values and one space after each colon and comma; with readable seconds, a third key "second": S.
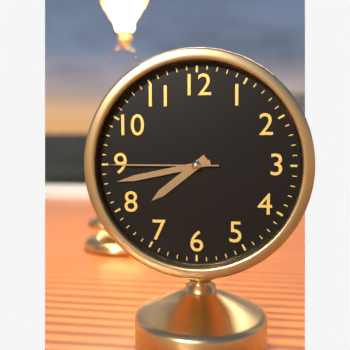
{"hour": 7, "minute": 43, "second": 45}
